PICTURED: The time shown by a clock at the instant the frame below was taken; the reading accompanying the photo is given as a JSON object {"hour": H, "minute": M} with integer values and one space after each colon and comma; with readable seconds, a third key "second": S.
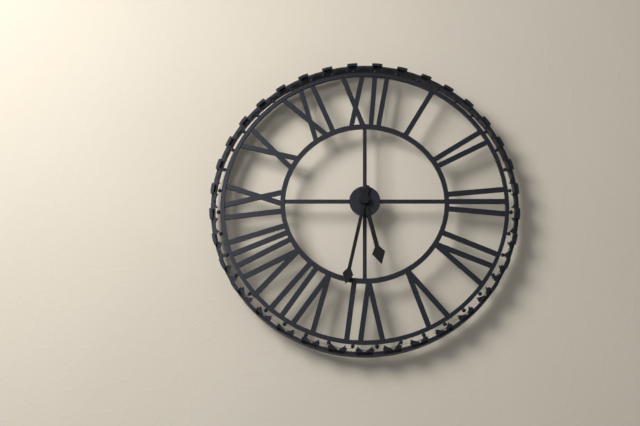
{"hour": 5, "minute": 32}
